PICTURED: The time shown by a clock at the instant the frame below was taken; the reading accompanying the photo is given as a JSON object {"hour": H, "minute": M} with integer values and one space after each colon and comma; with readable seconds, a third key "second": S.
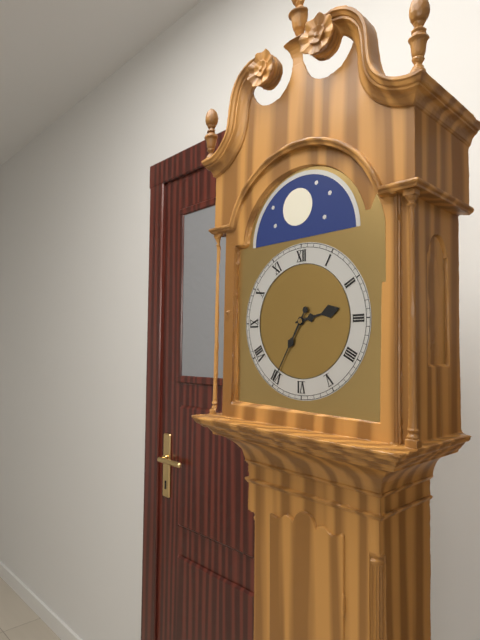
{"hour": 2, "minute": 35}
